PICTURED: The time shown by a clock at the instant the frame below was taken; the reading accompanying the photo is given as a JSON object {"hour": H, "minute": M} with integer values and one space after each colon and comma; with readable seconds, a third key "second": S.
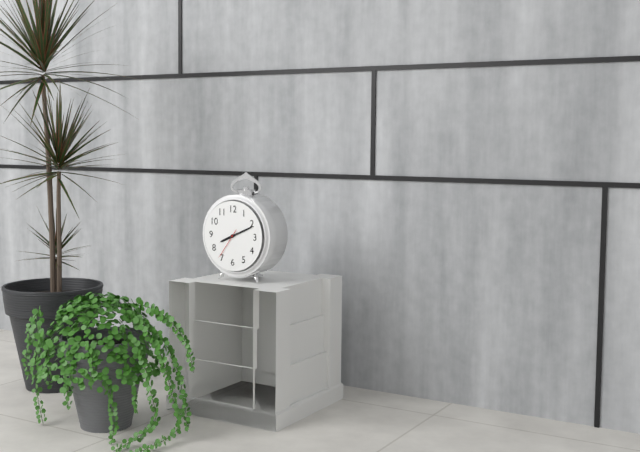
{"hour": 8, "minute": 11}
